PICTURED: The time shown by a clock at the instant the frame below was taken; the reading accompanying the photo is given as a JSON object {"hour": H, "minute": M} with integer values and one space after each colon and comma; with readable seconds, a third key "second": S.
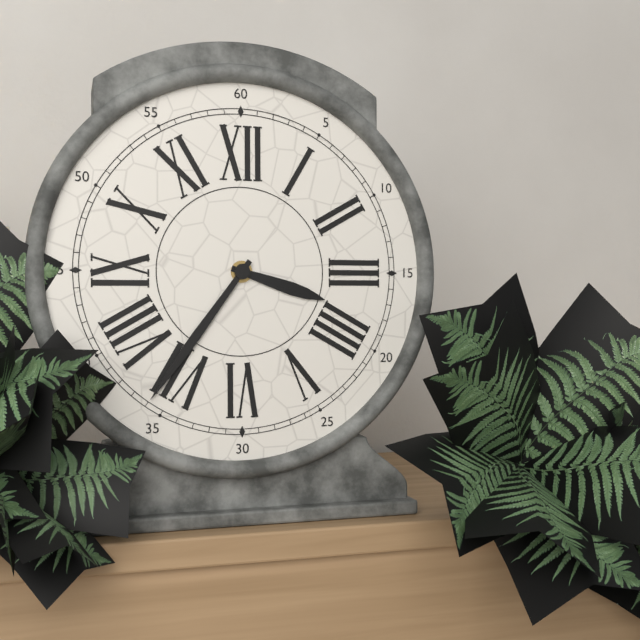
{"hour": 3, "minute": 36}
